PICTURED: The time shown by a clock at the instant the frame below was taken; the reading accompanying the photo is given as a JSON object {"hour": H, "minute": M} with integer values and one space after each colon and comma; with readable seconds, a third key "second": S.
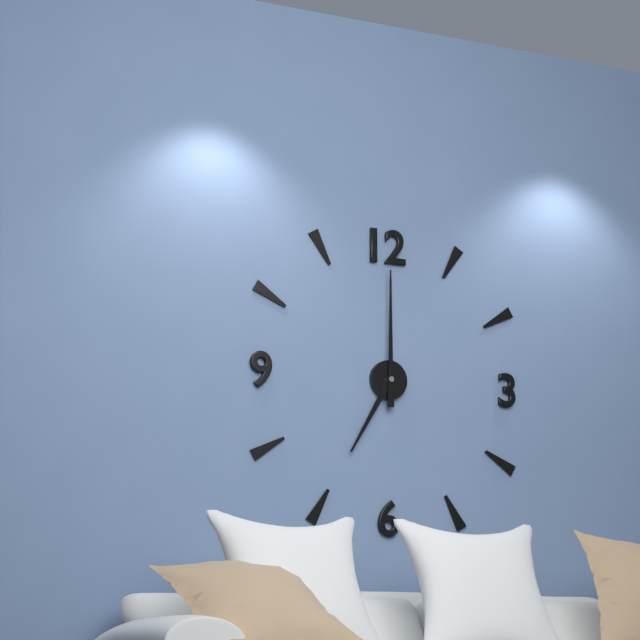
{"hour": 7, "minute": 0}
